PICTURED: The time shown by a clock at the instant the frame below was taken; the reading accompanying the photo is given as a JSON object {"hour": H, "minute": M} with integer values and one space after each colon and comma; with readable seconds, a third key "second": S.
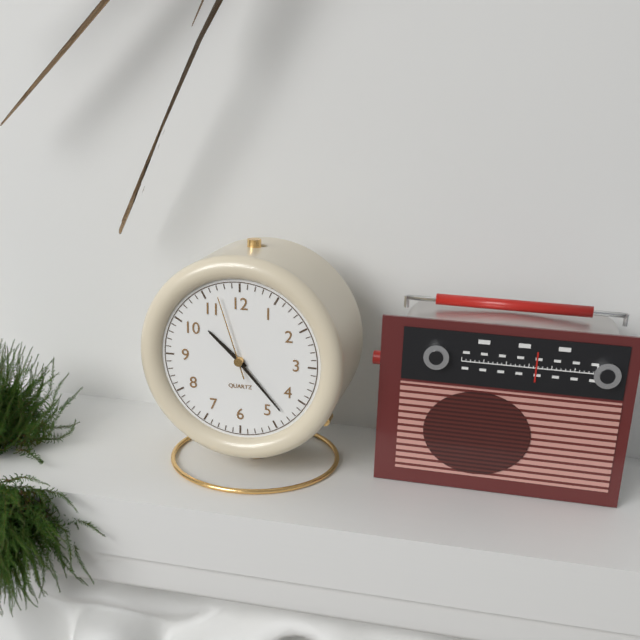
{"hour": 10, "minute": 23, "second": 57}
